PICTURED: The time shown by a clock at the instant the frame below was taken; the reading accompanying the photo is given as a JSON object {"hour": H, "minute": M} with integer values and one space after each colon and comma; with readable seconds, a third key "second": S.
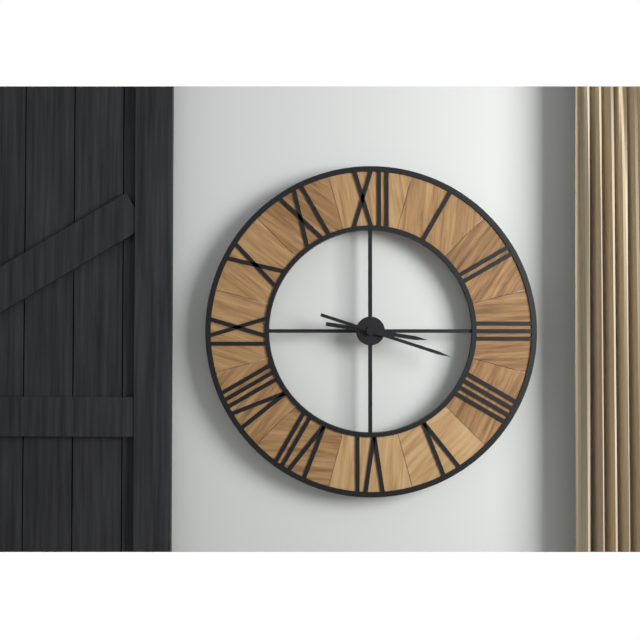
{"hour": 3, "minute": 18}
